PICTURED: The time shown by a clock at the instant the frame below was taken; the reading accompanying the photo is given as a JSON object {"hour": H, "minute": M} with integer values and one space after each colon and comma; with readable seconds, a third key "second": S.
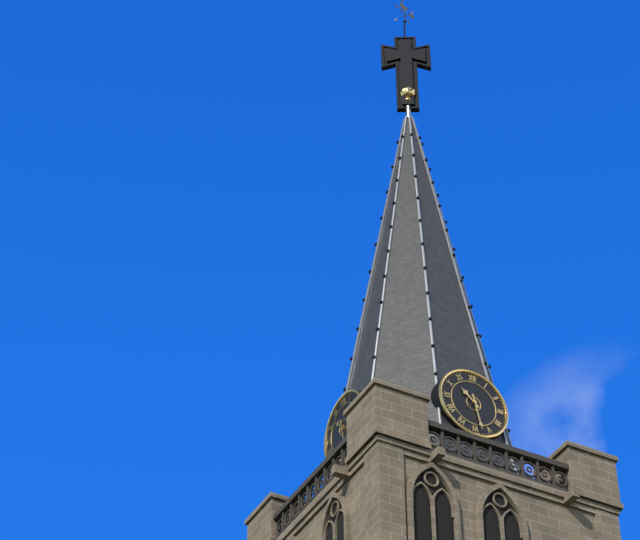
{"hour": 10, "minute": 28}
